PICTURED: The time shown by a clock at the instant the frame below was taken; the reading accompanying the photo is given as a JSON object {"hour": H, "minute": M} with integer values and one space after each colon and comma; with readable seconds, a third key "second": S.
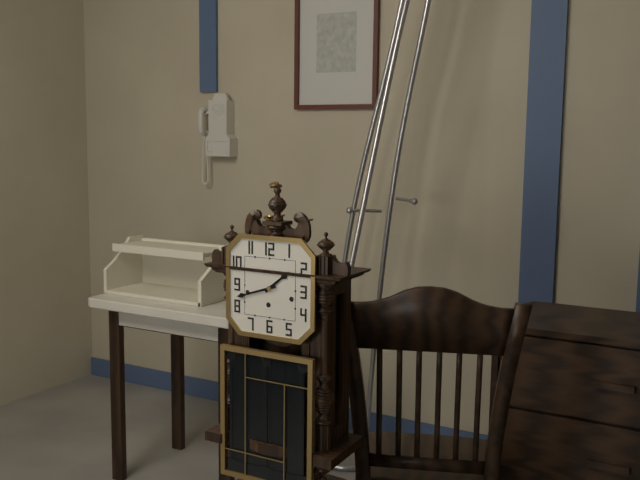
{"hour": 1, "minute": 42}
